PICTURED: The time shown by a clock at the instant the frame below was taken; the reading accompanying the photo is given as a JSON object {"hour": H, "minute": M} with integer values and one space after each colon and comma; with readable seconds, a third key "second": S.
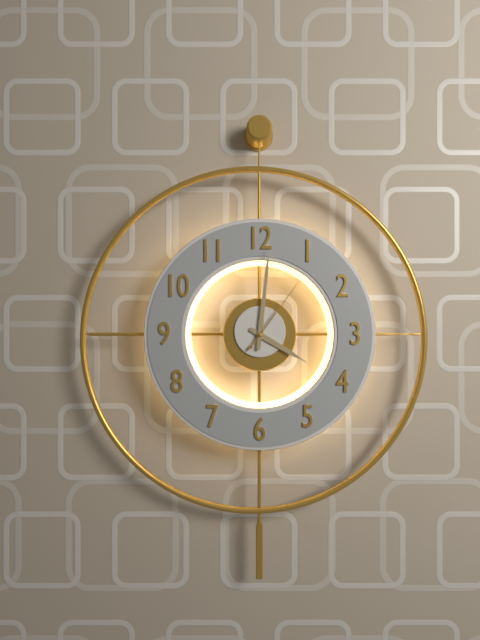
{"hour": 4, "minute": 1, "second": 6}
